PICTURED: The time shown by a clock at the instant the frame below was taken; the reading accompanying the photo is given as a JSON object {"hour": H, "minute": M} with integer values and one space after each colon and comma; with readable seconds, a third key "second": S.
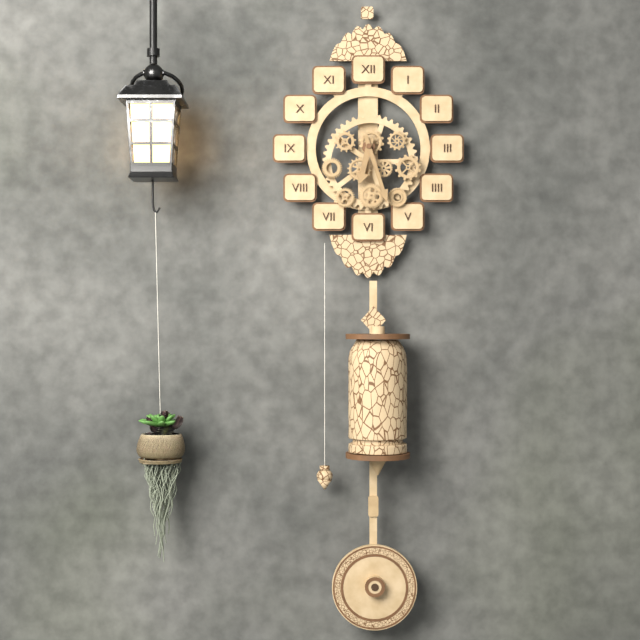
{"hour": 6, "minute": 27}
